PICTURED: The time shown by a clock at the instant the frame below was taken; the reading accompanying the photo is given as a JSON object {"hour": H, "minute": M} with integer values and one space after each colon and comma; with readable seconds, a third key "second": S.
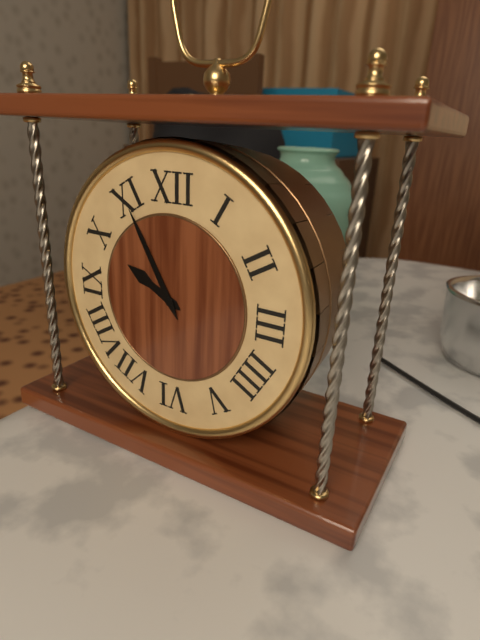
{"hour": 9, "minute": 55}
